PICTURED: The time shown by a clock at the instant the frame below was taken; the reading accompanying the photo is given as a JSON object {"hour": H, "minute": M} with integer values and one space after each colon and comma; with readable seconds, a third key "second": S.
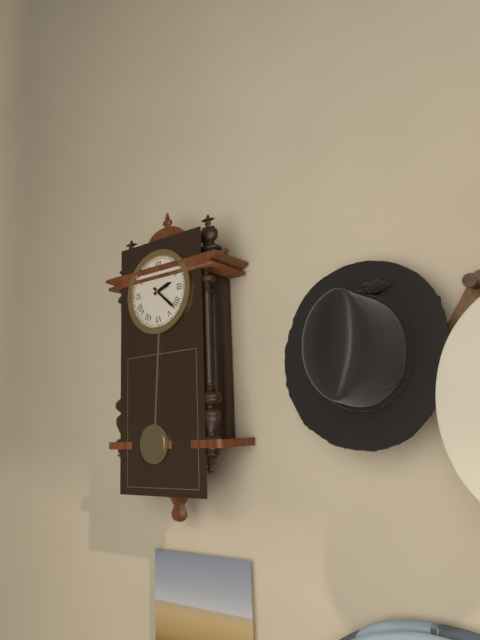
{"hour": 2, "minute": 22}
